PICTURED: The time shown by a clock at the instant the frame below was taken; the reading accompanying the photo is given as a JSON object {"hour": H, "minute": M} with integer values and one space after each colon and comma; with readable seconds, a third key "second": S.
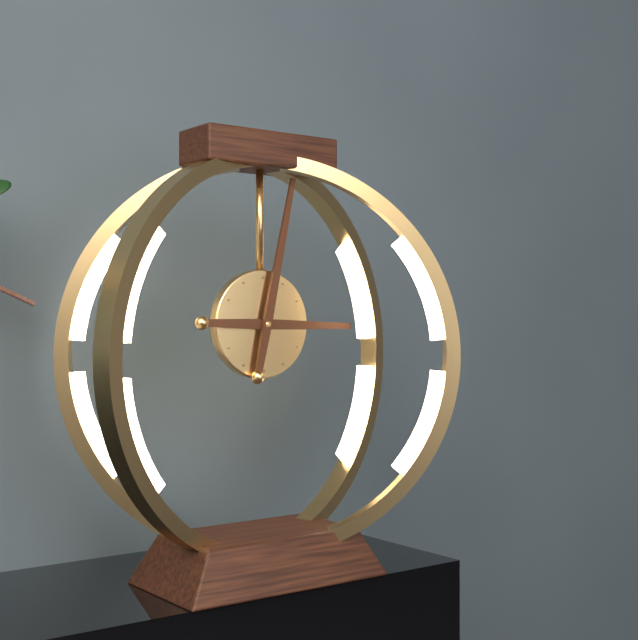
{"hour": 3, "minute": 2}
